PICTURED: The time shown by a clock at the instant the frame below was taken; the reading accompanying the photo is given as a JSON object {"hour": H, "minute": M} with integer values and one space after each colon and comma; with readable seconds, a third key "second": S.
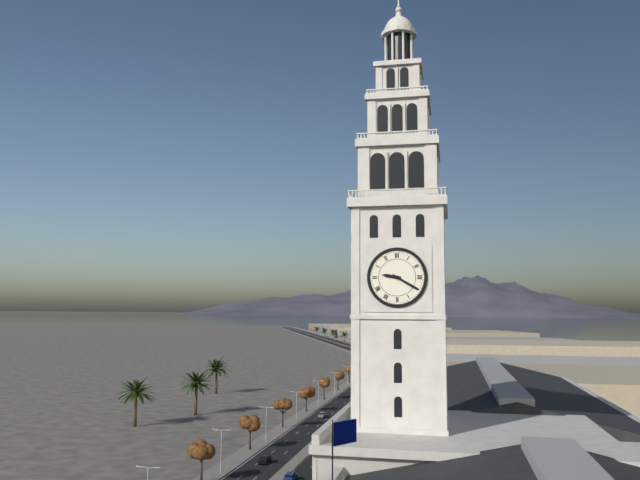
{"hour": 9, "minute": 20}
